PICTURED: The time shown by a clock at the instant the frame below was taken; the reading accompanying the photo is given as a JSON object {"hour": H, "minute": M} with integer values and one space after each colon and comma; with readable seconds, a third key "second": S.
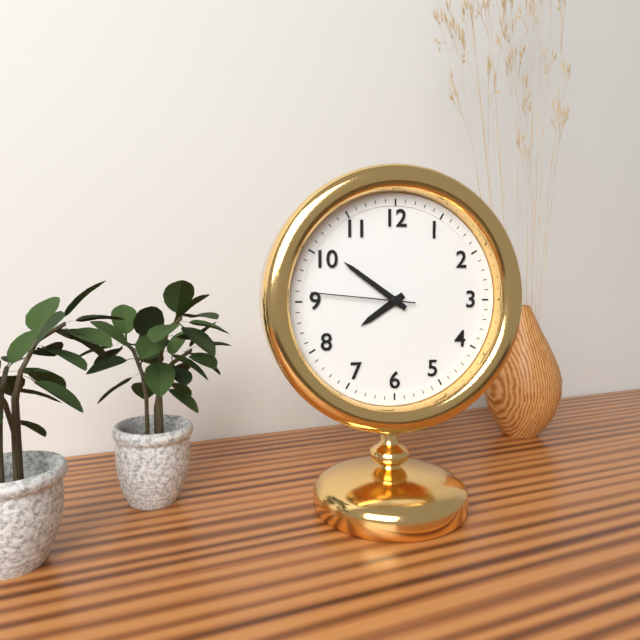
{"hour": 7, "minute": 51, "second": 46}
